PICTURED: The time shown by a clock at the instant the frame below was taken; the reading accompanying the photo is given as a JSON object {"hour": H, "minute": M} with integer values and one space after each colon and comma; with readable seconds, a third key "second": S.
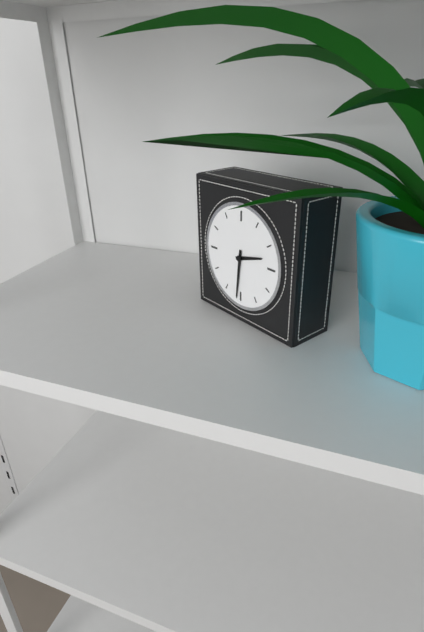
{"hour": 2, "minute": 31}
